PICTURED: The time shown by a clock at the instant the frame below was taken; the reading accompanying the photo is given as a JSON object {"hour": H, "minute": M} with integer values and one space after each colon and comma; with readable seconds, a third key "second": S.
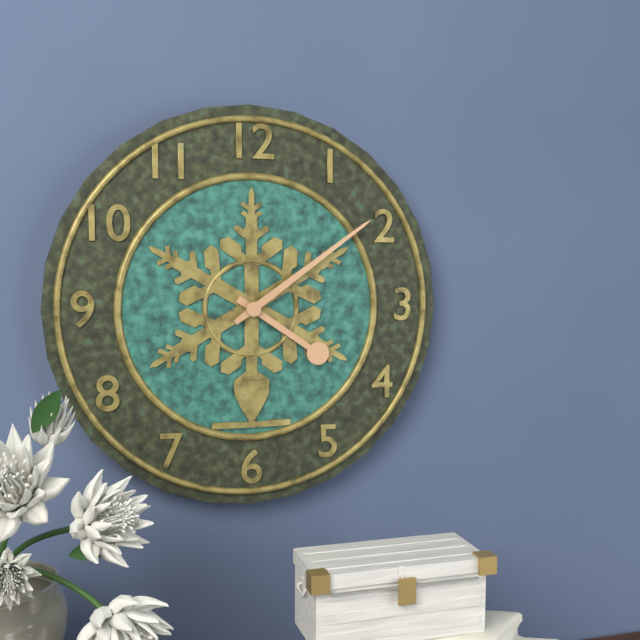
{"hour": 4, "minute": 9}
